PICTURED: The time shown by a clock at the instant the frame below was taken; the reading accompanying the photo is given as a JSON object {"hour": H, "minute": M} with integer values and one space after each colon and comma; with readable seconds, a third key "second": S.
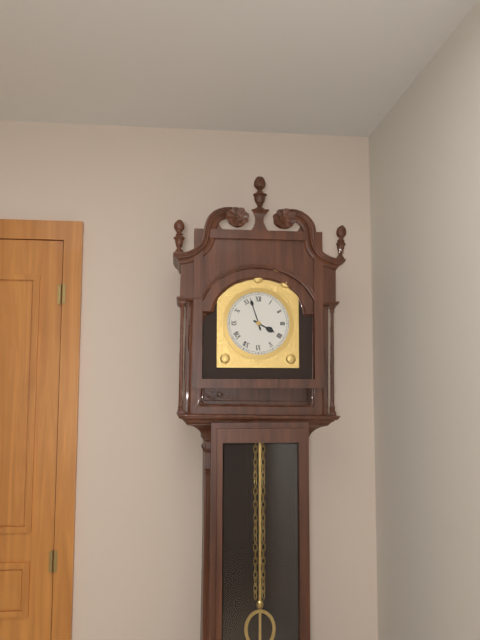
{"hour": 3, "minute": 57}
